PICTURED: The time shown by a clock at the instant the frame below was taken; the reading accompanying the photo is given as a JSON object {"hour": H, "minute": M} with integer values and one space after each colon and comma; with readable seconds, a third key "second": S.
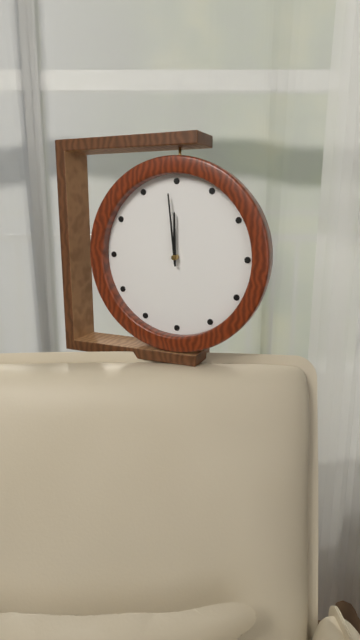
{"hour": 11, "minute": 59}
